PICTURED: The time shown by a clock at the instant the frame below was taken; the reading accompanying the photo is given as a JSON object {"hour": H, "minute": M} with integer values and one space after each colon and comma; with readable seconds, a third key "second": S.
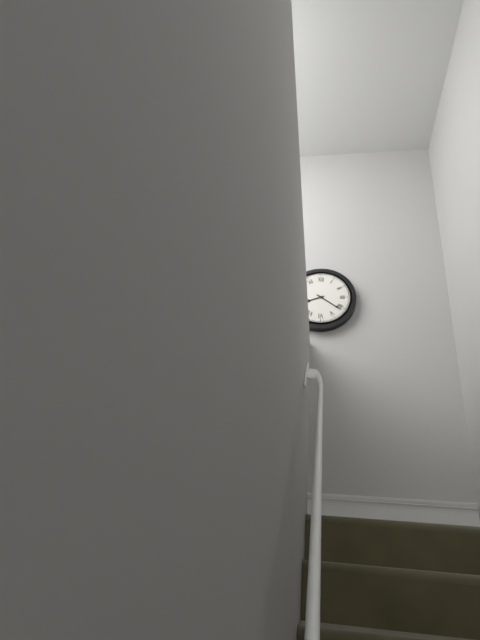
{"hour": 8, "minute": 21}
